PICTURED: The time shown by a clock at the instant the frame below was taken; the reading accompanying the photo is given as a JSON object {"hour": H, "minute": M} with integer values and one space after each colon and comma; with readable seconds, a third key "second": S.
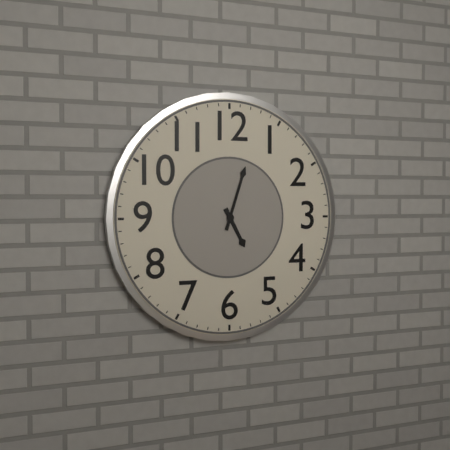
{"hour": 5, "minute": 3}
